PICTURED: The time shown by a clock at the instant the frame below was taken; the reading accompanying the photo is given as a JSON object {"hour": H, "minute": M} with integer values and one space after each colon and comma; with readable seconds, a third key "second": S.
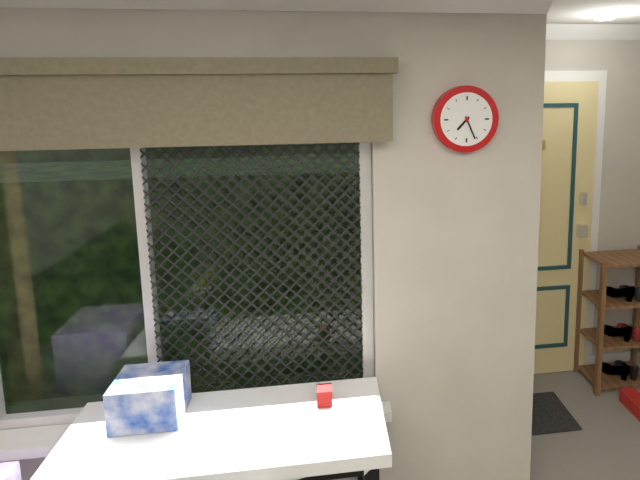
{"hour": 7, "minute": 26}
